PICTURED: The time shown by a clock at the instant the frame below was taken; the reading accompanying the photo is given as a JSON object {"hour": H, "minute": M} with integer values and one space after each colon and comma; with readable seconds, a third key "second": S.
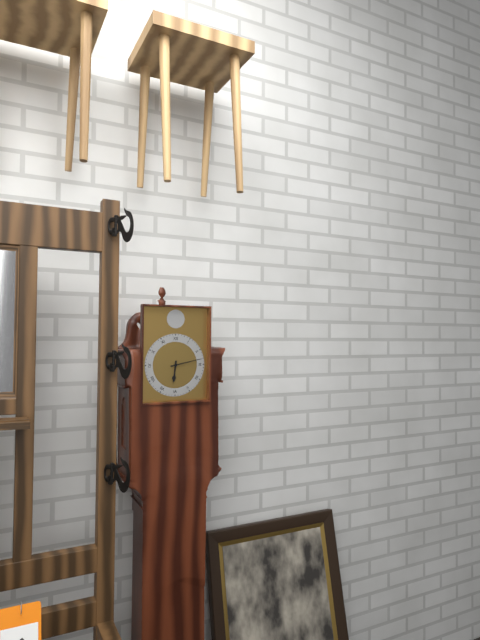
{"hour": 6, "minute": 13}
